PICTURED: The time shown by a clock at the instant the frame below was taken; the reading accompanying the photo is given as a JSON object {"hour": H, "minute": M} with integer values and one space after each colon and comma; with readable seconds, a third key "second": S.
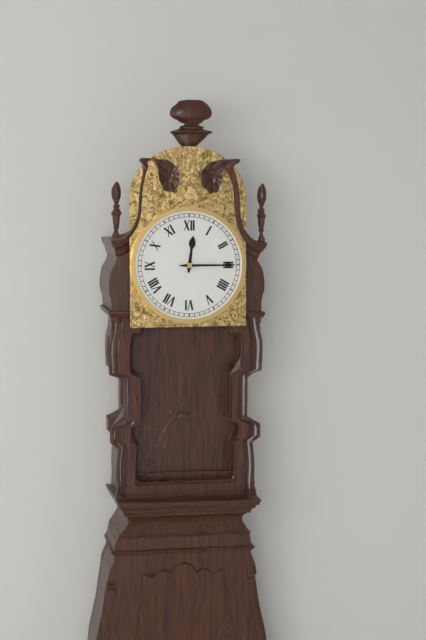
{"hour": 12, "minute": 15}
